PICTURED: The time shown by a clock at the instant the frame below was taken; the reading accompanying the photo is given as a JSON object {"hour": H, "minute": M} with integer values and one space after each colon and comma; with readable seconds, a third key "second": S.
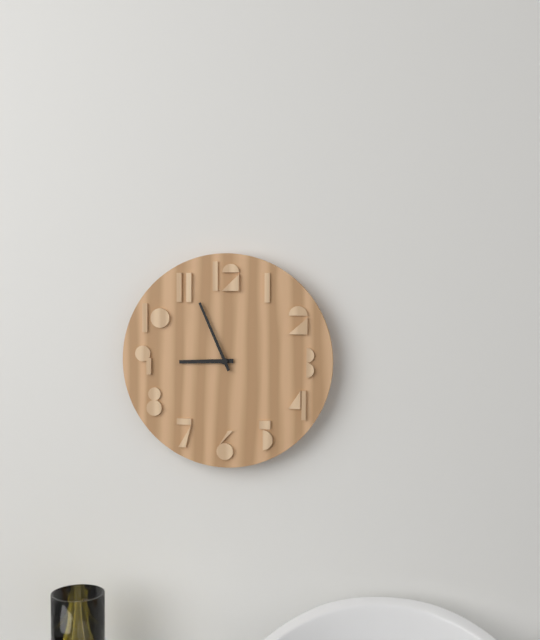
{"hour": 8, "minute": 56}
